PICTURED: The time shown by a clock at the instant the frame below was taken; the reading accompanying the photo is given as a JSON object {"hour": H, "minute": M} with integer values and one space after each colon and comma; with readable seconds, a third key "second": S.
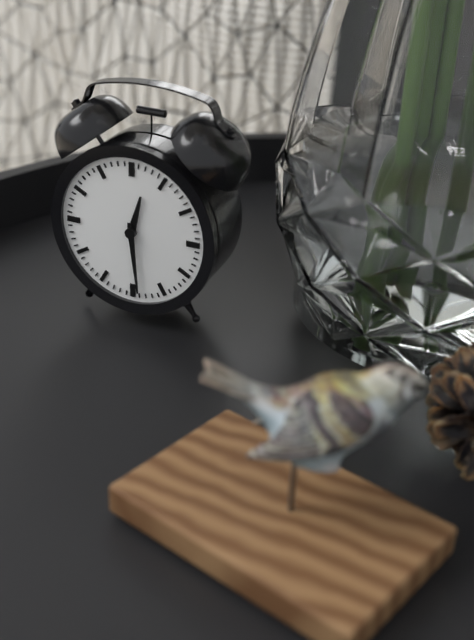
{"hour": 12, "minute": 29}
